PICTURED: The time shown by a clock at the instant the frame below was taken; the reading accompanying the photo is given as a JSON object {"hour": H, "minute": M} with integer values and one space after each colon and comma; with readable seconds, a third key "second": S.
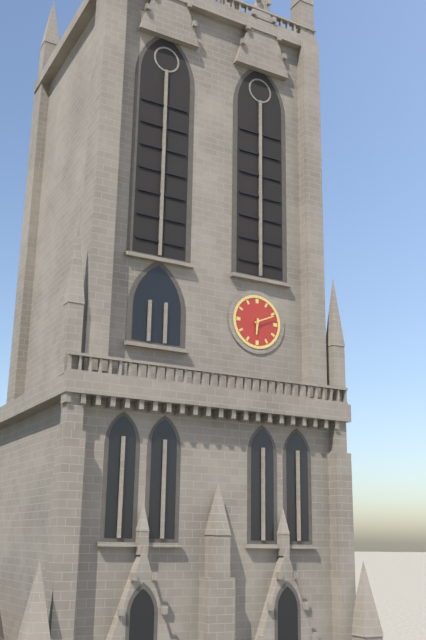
{"hour": 6, "minute": 11}
